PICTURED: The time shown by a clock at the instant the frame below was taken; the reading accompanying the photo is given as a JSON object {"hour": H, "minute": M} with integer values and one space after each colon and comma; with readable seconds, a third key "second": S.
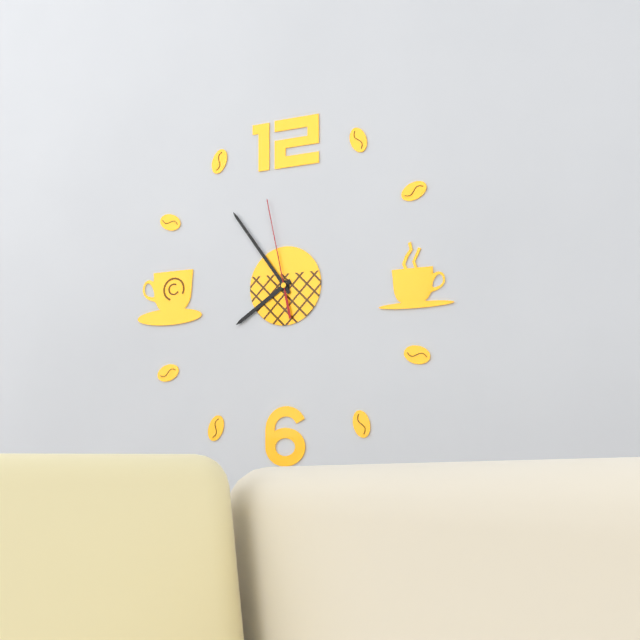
{"hour": 7, "minute": 54, "second": 58}
